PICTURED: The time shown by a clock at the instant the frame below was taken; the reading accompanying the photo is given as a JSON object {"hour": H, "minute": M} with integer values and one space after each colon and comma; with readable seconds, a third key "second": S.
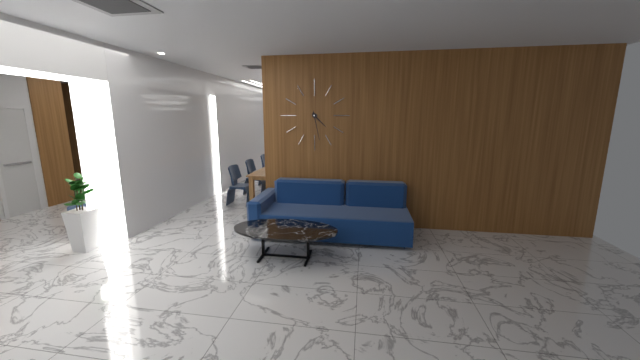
{"hour": 4, "minute": 28}
